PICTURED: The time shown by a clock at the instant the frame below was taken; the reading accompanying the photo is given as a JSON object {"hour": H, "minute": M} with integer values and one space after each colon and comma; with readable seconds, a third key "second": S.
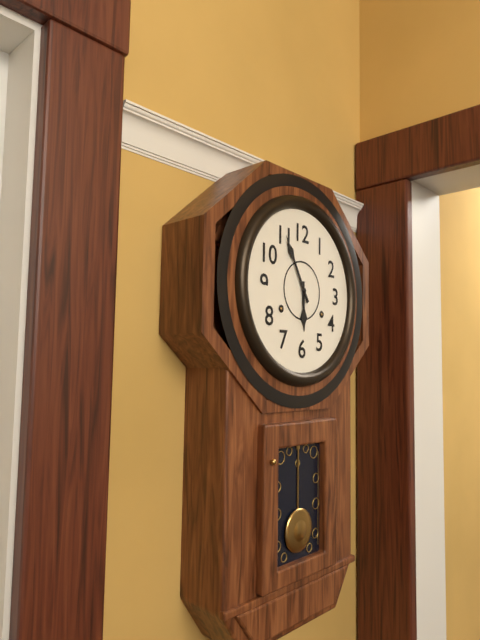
{"hour": 5, "minute": 55}
